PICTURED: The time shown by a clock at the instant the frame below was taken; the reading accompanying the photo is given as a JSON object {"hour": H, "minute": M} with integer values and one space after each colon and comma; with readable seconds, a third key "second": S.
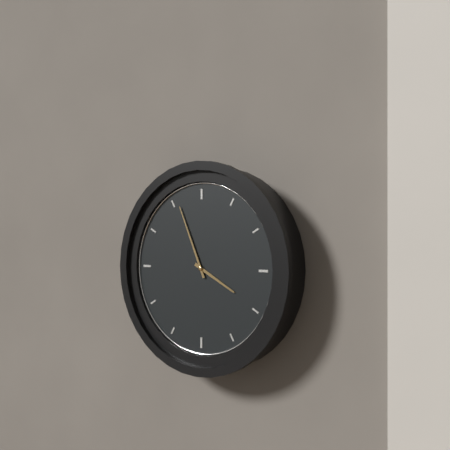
{"hour": 3, "minute": 56}
